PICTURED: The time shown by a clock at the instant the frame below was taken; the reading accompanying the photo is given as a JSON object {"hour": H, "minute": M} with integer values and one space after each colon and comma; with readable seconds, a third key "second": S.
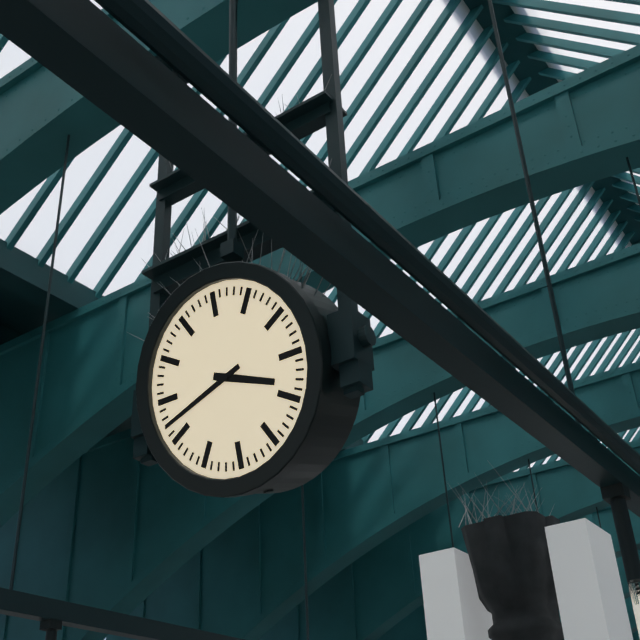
{"hour": 3, "minute": 42}
